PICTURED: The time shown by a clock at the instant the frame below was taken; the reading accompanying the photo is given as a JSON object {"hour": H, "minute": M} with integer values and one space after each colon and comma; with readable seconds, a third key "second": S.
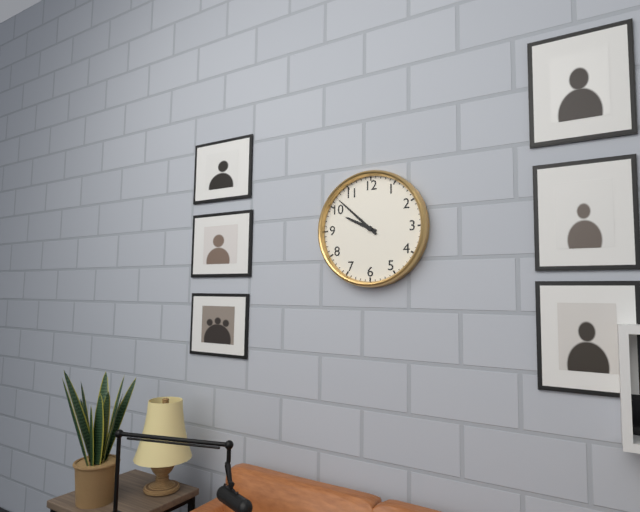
{"hour": 9, "minute": 52}
